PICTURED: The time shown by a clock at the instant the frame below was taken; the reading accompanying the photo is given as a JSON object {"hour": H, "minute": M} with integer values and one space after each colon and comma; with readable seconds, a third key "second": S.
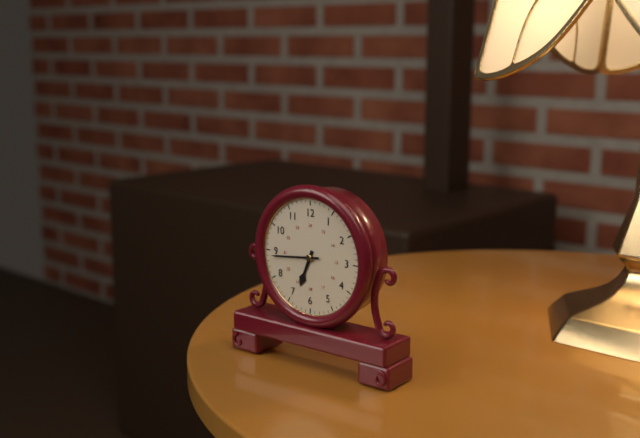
{"hour": 6, "minute": 44}
